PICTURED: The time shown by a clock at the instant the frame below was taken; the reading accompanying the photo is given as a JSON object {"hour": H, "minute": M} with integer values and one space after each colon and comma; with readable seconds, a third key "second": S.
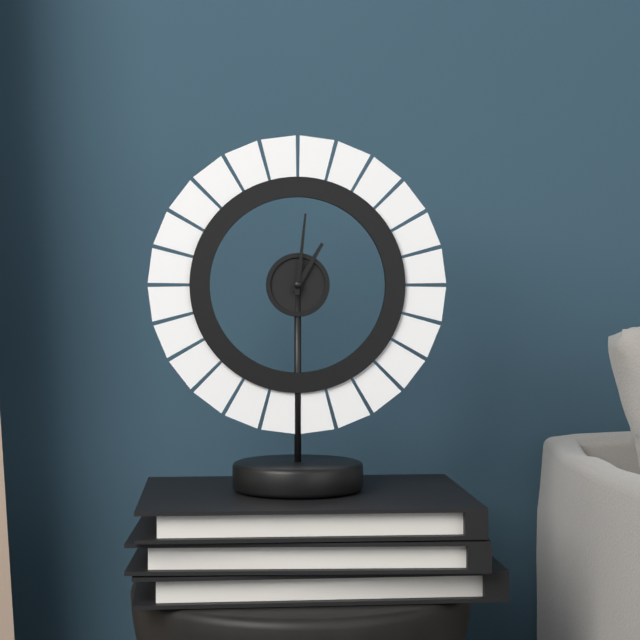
{"hour": 1, "minute": 1}
